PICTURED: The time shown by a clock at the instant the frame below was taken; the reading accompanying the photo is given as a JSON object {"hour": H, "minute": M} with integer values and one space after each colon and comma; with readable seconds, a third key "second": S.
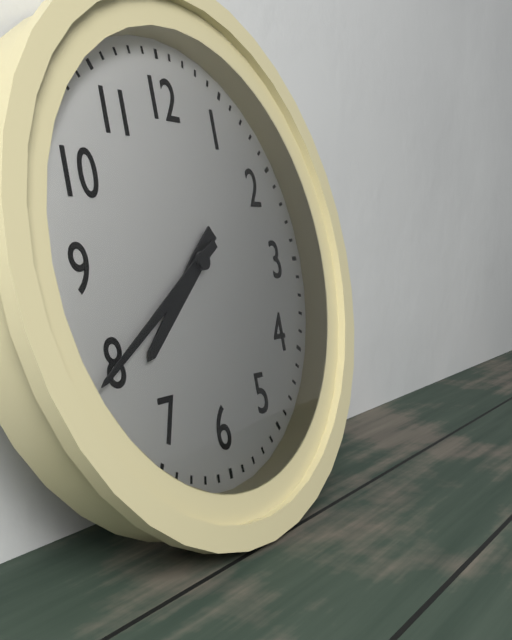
{"hour": 7, "minute": 40}
